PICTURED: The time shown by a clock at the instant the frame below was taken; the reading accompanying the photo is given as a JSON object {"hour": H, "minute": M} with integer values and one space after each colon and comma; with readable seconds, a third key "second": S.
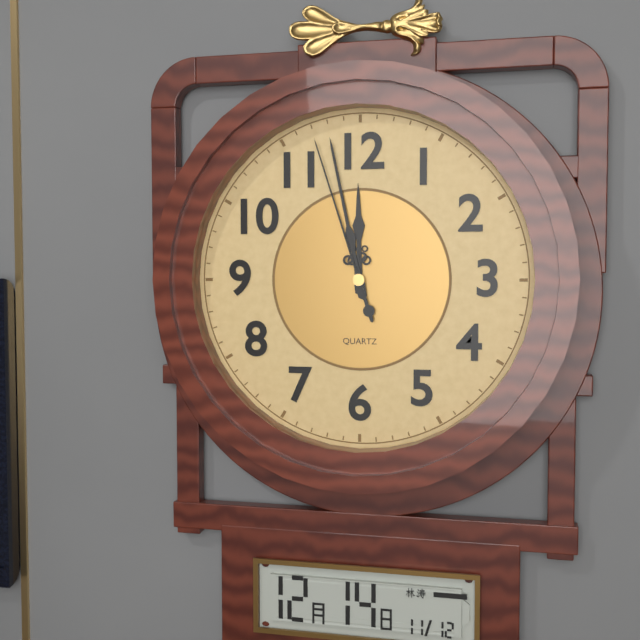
{"hour": 11, "minute": 58, "second": 57}
